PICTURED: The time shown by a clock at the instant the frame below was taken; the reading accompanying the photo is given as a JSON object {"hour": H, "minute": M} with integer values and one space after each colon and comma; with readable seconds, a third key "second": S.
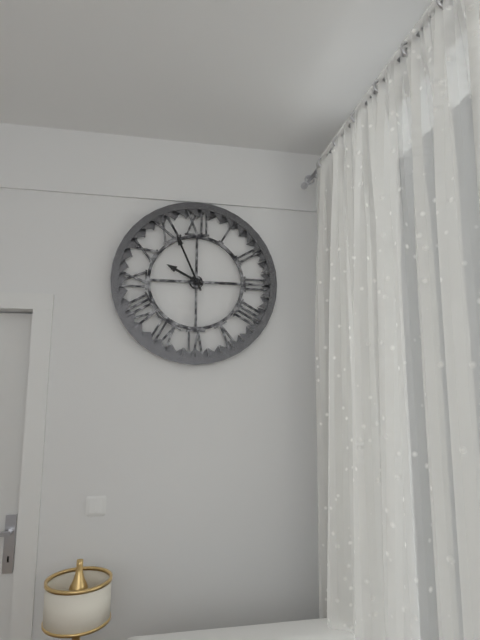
{"hour": 9, "minute": 56}
